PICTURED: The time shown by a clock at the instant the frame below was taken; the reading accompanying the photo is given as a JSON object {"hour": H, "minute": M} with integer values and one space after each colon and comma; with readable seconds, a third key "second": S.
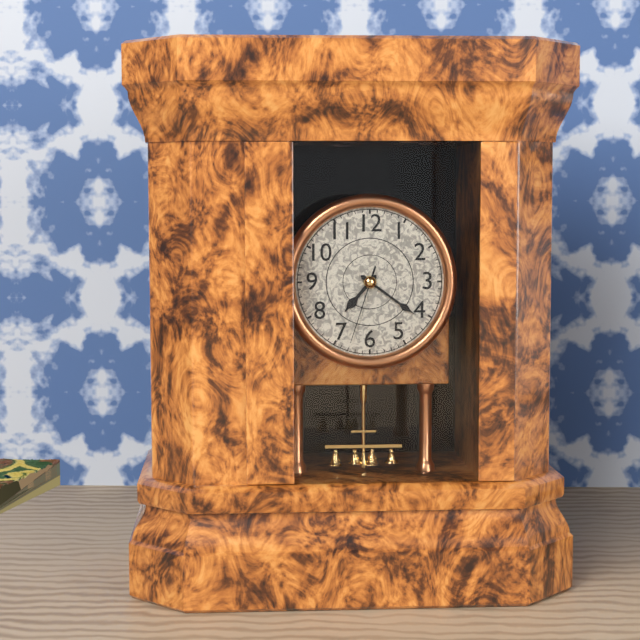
{"hour": 7, "minute": 21, "second": 33}
